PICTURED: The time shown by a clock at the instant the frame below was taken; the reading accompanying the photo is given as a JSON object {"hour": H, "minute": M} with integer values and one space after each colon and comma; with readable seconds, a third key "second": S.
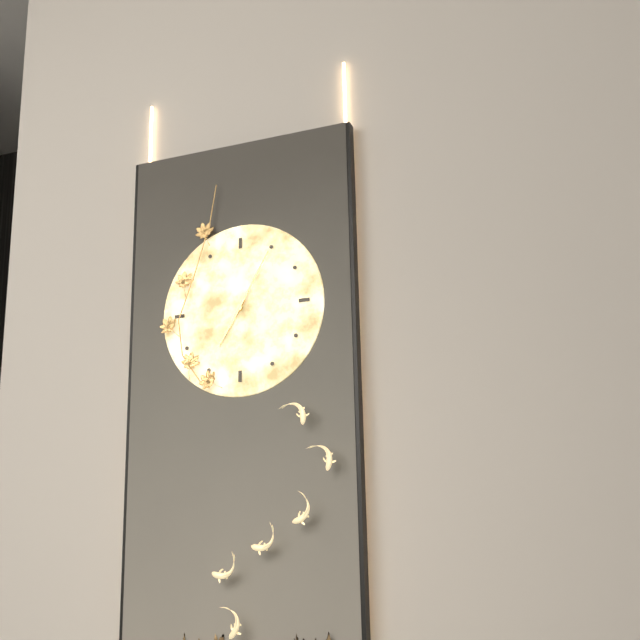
{"hour": 7, "minute": 5}
